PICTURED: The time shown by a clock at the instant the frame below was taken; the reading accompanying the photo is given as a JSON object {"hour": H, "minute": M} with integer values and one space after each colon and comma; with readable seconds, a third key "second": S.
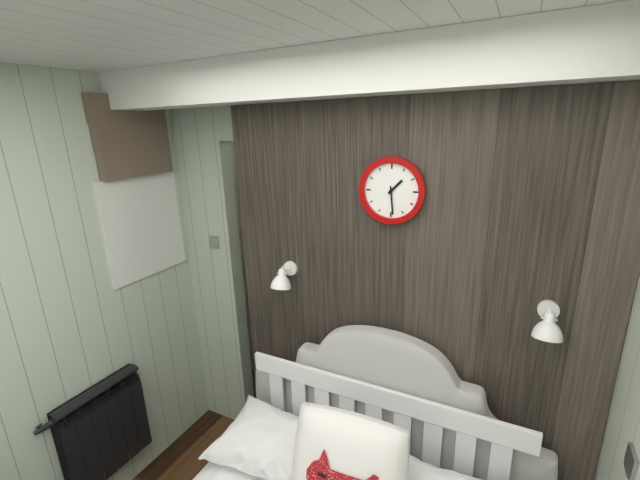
{"hour": 1, "minute": 29}
